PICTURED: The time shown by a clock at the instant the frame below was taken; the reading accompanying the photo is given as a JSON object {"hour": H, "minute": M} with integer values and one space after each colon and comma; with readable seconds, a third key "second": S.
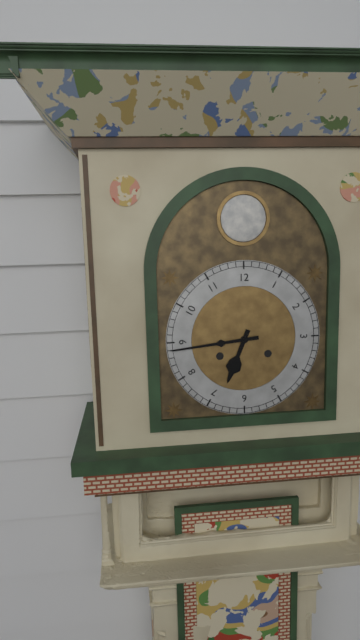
{"hour": 6, "minute": 44}
